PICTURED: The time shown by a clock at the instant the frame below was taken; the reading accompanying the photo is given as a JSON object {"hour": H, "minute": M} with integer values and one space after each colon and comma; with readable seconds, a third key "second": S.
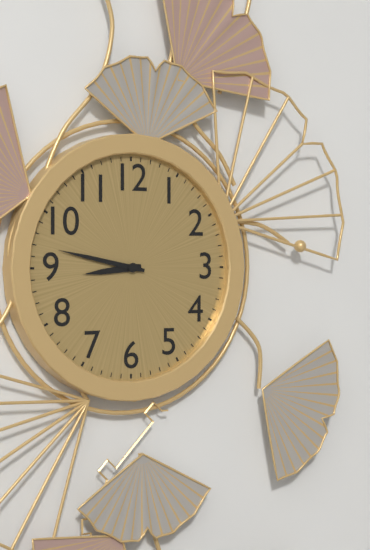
{"hour": 8, "minute": 47}
